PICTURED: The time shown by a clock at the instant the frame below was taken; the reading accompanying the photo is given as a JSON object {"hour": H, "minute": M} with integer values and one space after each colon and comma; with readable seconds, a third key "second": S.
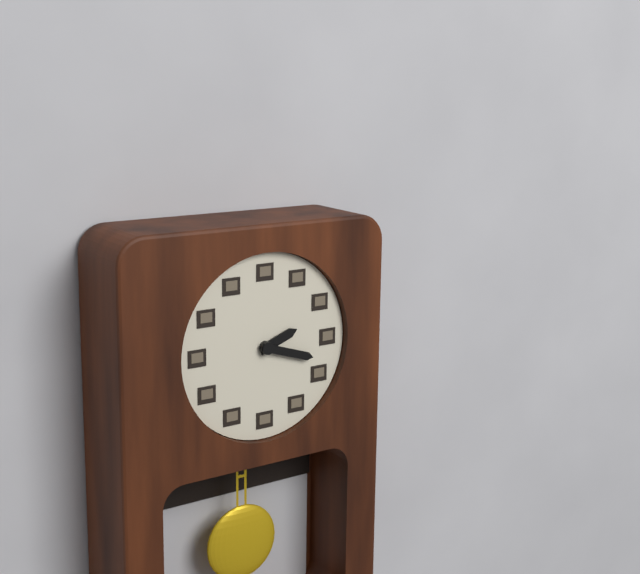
{"hour": 2, "minute": 18}
